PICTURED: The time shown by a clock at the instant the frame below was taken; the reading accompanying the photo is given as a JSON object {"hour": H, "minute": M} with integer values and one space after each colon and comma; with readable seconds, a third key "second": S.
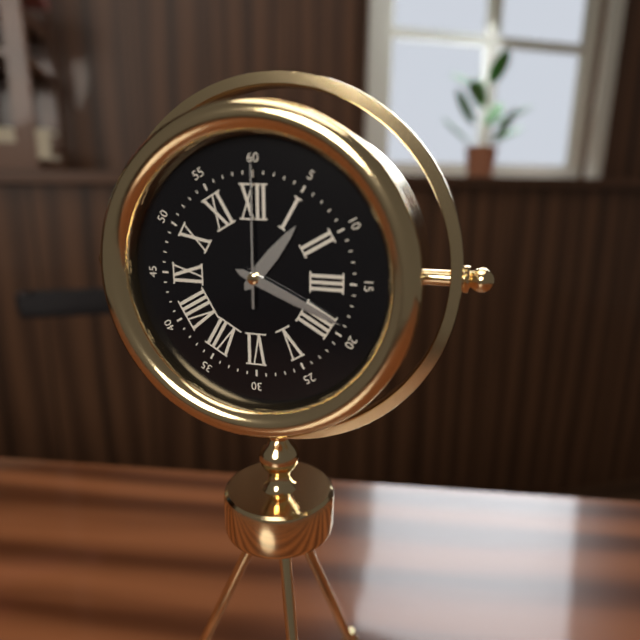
{"hour": 1, "minute": 19, "second": 0}
